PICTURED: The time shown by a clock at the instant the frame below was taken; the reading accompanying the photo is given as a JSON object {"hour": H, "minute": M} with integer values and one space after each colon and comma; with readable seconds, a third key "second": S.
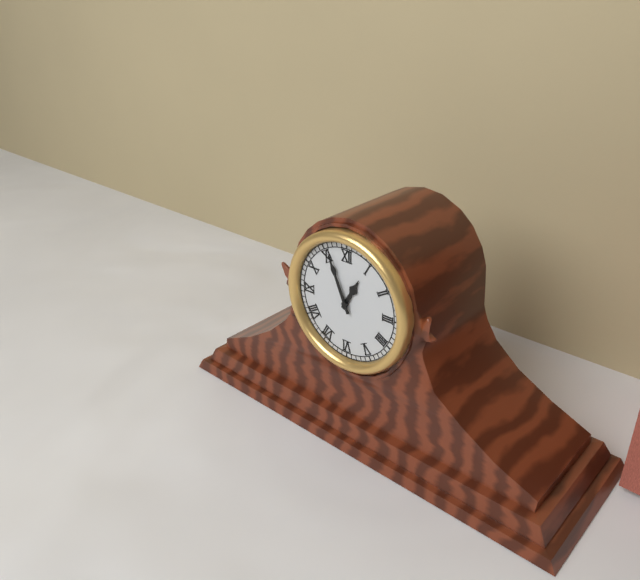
{"hour": 12, "minute": 56}
